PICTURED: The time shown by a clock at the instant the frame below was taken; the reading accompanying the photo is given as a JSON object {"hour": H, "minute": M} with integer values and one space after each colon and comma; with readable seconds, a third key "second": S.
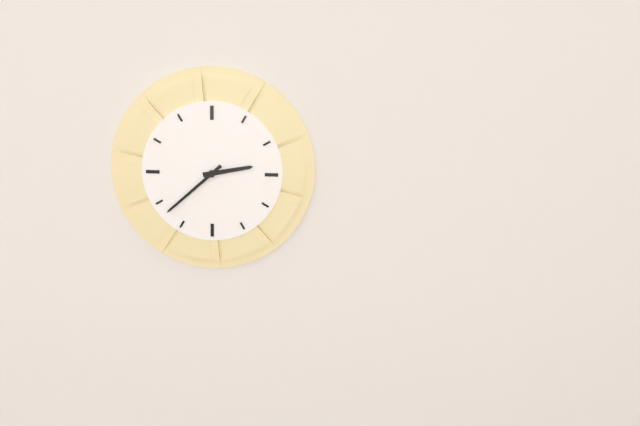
{"hour": 2, "minute": 38}
